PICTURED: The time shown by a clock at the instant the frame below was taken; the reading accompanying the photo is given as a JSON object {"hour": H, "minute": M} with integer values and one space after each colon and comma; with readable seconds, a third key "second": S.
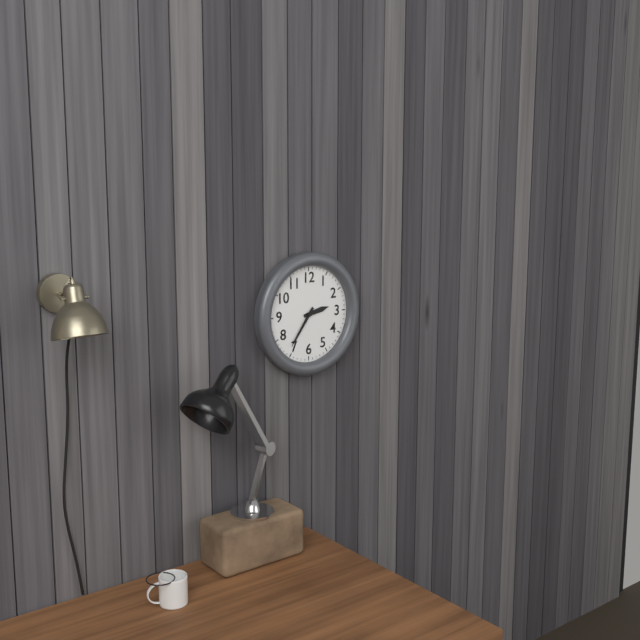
{"hour": 2, "minute": 36}
